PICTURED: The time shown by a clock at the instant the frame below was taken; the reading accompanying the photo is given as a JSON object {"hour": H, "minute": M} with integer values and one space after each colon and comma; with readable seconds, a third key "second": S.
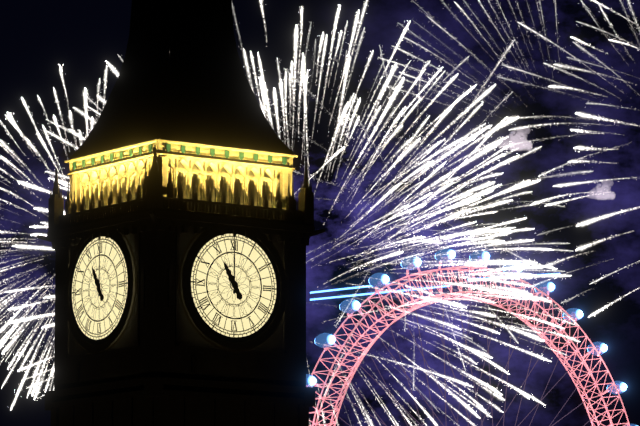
{"hour": 11, "minute": 0}
